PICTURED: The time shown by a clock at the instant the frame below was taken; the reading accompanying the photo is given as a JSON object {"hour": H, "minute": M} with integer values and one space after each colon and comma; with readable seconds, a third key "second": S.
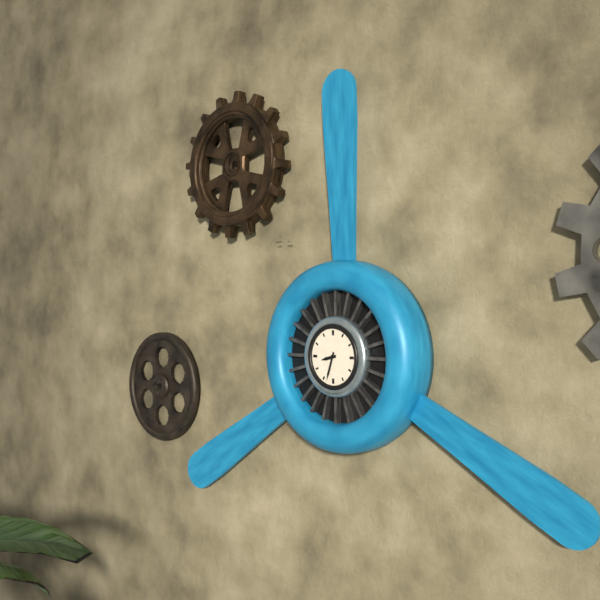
{"hour": 8, "minute": 33}
